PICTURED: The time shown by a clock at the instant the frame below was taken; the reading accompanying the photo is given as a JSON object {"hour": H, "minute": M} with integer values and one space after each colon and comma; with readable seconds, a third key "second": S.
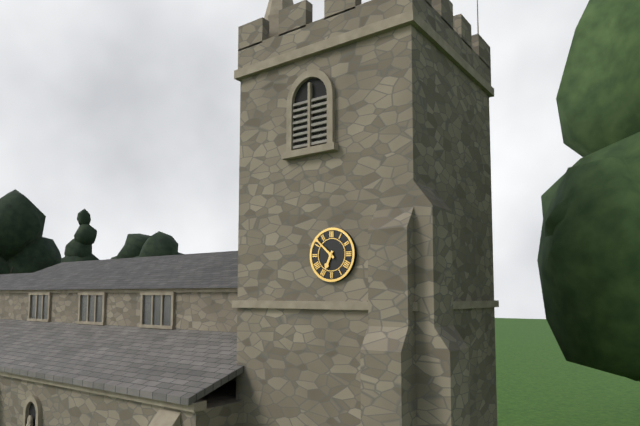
{"hour": 6, "minute": 52}
